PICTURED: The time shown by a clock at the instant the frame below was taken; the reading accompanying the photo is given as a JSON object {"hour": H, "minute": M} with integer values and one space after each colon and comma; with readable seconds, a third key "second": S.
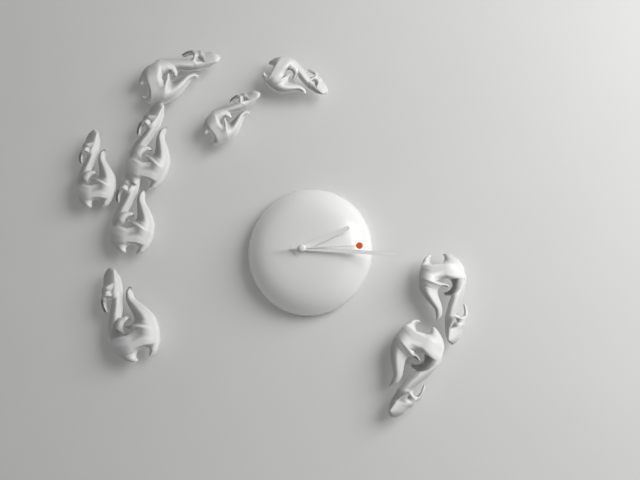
{"hour": 2, "minute": 16, "second": 15}
